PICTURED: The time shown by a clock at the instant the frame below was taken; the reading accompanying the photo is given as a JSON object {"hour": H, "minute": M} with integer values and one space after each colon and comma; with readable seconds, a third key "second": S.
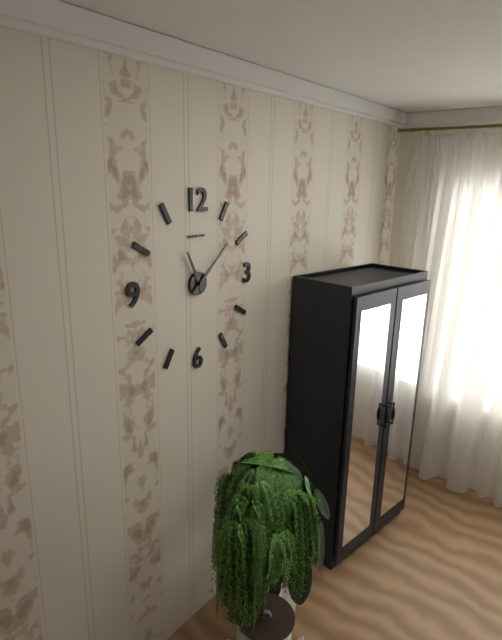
{"hour": 11, "minute": 8}
